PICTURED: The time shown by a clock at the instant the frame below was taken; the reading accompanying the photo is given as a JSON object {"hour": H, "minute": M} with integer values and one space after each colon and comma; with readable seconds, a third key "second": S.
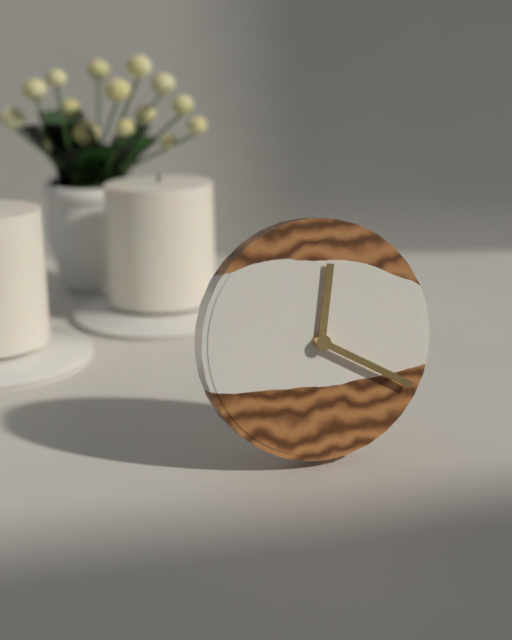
{"hour": 12, "minute": 20}
